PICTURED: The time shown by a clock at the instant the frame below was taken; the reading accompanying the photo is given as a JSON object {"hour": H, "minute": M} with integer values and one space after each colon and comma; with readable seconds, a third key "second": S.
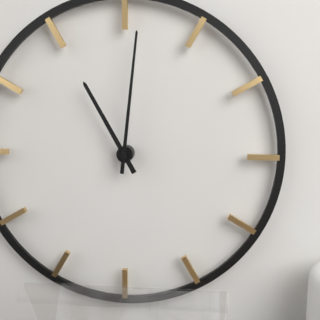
{"hour": 11, "minute": 1}
